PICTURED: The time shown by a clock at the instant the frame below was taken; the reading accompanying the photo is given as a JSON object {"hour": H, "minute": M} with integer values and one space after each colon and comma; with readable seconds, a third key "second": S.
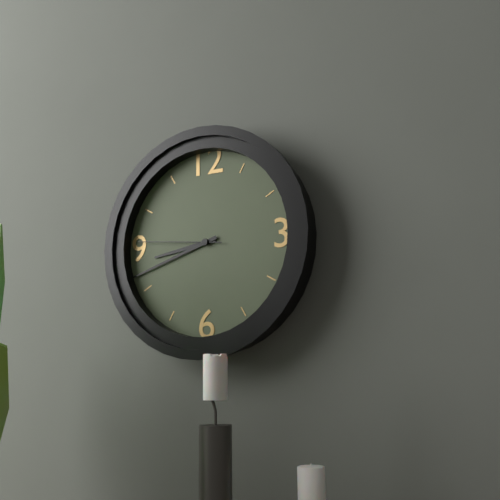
{"hour": 8, "minute": 42, "second": 46}
